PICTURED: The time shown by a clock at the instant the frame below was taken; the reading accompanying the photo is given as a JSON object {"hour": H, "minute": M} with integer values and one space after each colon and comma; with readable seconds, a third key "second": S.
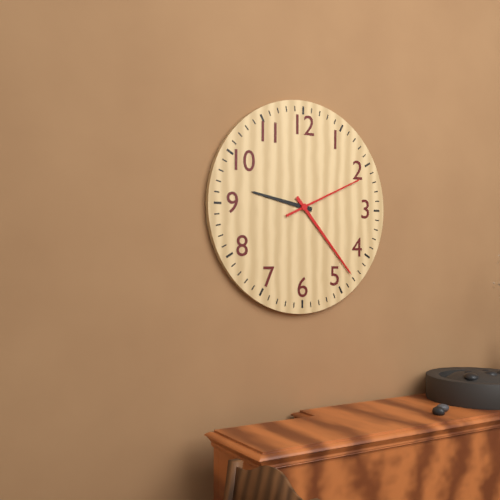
{"hour": 9, "minute": 23, "second": 11}
